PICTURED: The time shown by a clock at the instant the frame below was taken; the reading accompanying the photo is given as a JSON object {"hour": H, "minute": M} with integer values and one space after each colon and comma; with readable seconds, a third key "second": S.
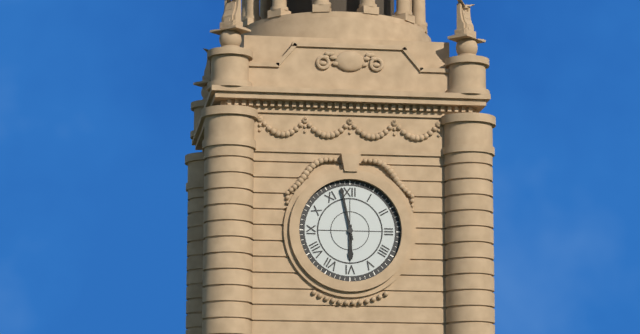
{"hour": 5, "minute": 58}
